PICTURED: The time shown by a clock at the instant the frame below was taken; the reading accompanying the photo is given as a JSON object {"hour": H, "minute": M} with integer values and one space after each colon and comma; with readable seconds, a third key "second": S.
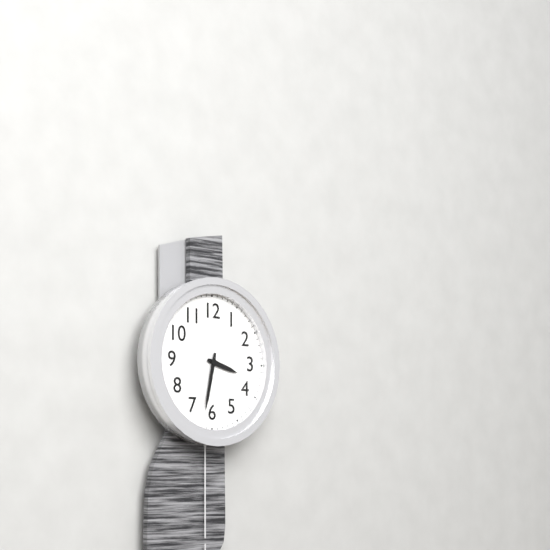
{"hour": 3, "minute": 32}
